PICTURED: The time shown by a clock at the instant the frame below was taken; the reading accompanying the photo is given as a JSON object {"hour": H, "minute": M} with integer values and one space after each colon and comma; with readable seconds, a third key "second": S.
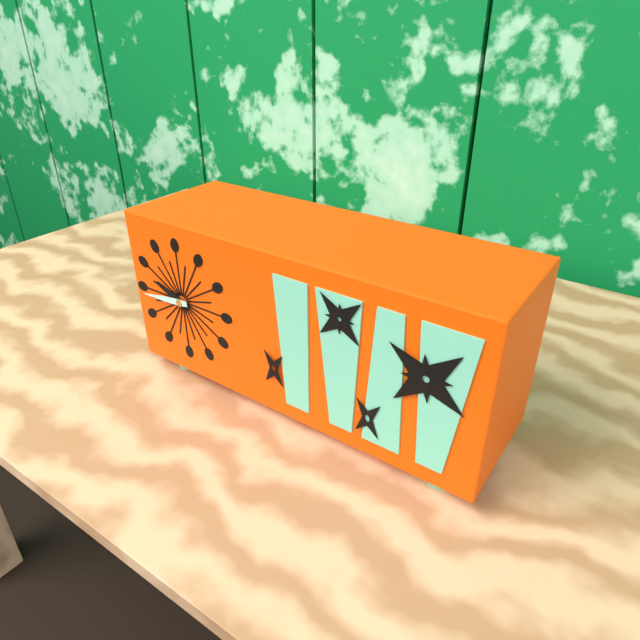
{"hour": 9, "minute": 44}
